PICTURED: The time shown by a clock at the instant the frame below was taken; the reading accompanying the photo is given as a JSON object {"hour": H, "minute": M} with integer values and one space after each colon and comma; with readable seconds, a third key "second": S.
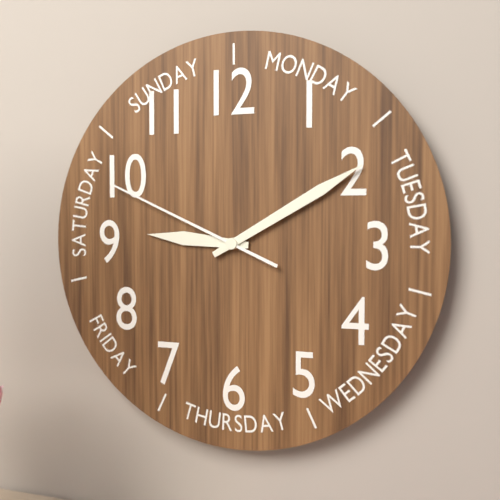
{"hour": 9, "minute": 10, "second": 49}
